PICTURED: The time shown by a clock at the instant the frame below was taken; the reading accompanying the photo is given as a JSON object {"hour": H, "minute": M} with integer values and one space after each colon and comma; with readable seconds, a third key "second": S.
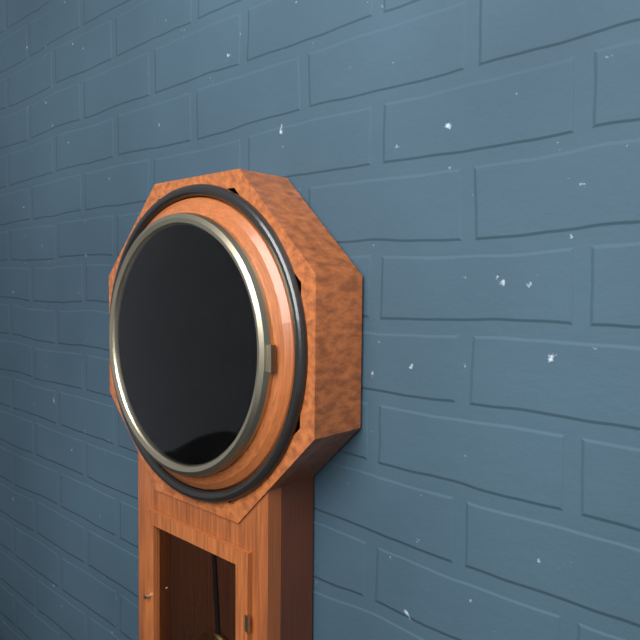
{"hour": 4, "minute": 18}
